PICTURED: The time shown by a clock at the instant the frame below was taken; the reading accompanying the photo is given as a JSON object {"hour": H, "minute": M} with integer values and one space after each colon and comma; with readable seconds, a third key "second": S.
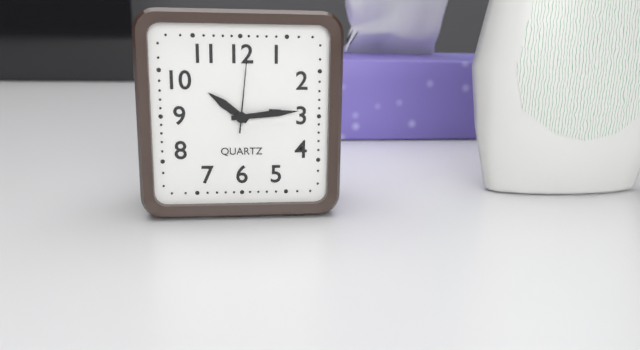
{"hour": 10, "minute": 14, "second": 1}
